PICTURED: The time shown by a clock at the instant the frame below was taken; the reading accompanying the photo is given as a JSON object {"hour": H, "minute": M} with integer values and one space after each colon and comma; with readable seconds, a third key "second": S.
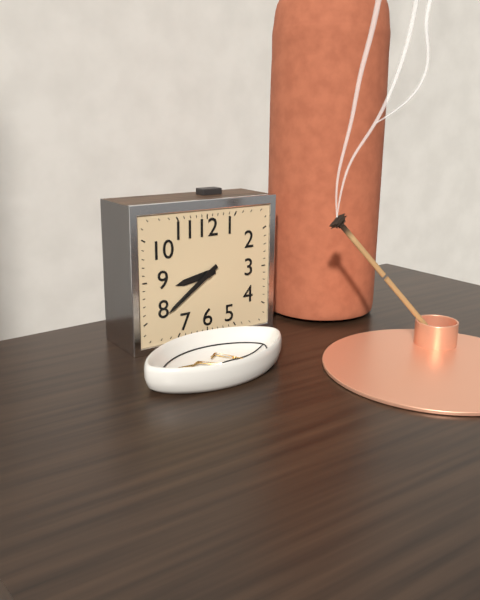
{"hour": 8, "minute": 39}
